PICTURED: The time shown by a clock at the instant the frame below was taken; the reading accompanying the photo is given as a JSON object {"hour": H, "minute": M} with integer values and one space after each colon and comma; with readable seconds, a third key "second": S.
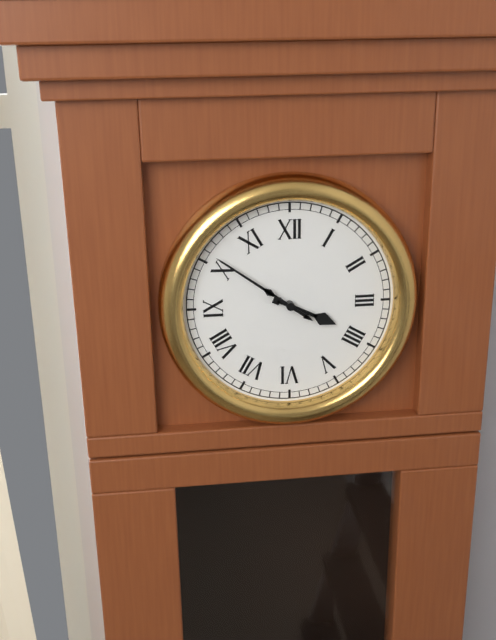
{"hour": 3, "minute": 51}
